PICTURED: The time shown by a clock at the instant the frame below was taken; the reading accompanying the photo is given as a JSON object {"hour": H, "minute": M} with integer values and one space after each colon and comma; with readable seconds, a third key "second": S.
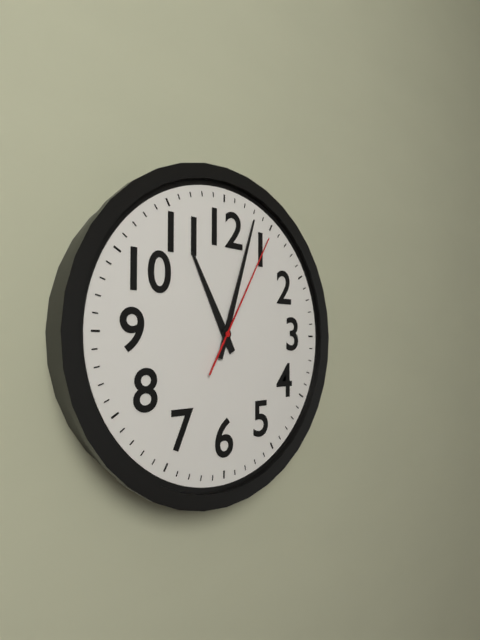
{"hour": 11, "minute": 3, "second": 5}
